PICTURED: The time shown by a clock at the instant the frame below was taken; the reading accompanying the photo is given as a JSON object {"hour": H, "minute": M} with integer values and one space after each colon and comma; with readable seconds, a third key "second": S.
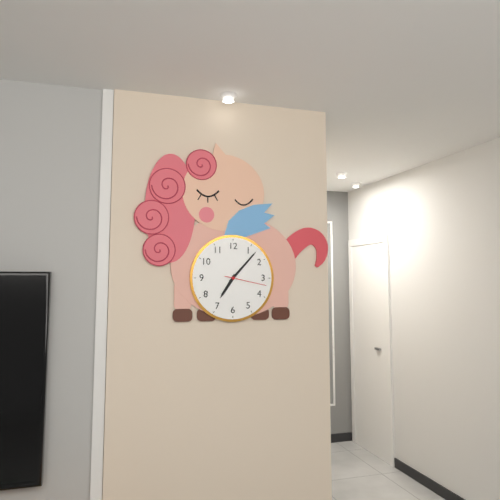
{"hour": 7, "minute": 7}
